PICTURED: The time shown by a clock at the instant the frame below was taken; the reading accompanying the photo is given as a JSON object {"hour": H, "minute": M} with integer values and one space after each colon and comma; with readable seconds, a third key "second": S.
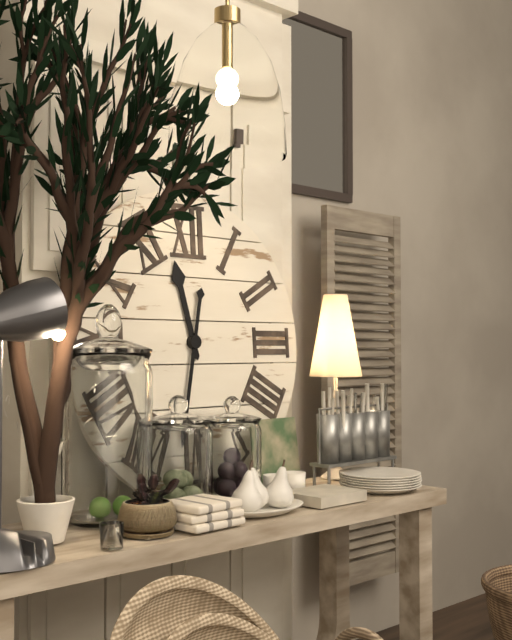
{"hour": 11, "minute": 32}
